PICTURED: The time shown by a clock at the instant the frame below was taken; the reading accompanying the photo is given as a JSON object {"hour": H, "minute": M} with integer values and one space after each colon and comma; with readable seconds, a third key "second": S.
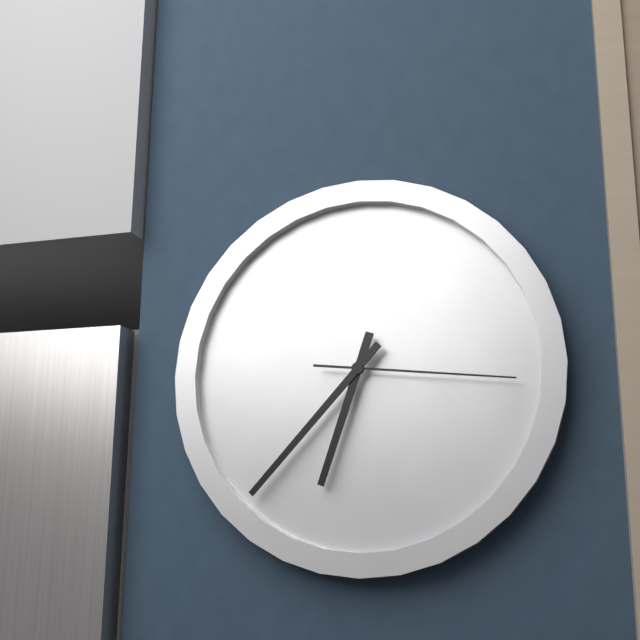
{"hour": 6, "minute": 37, "second": 16}
